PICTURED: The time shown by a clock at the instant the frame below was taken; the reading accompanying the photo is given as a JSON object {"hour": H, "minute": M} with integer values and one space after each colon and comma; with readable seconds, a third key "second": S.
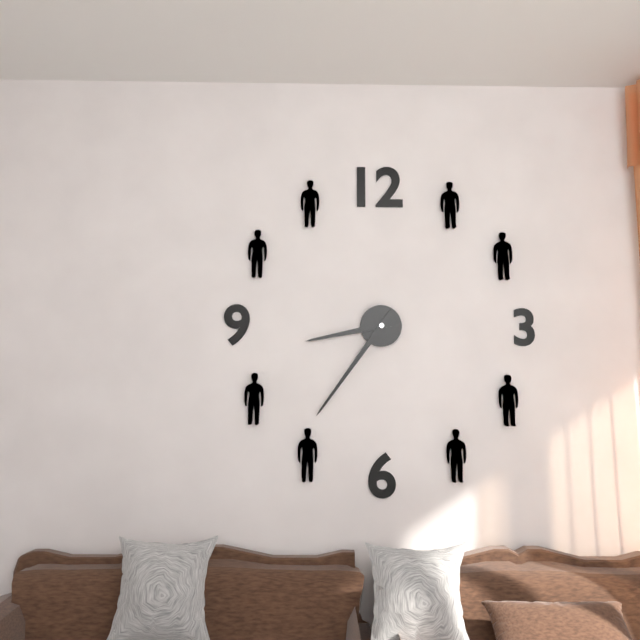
{"hour": 8, "minute": 36}
